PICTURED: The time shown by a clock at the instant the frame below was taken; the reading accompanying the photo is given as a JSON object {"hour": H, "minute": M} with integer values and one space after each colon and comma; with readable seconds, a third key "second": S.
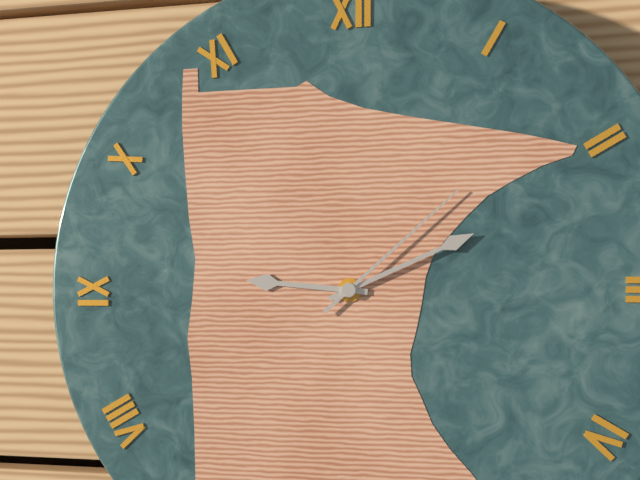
{"hour": 9, "minute": 11, "second": 8}
